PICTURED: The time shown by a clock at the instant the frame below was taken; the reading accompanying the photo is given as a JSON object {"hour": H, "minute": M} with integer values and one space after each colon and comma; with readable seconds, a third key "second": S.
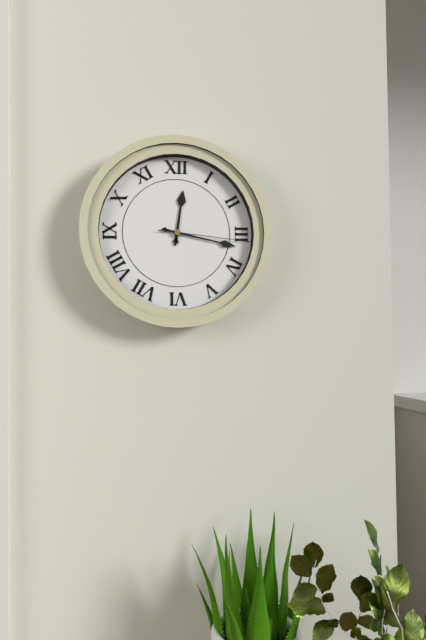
{"hour": 12, "minute": 17, "second": 16}
